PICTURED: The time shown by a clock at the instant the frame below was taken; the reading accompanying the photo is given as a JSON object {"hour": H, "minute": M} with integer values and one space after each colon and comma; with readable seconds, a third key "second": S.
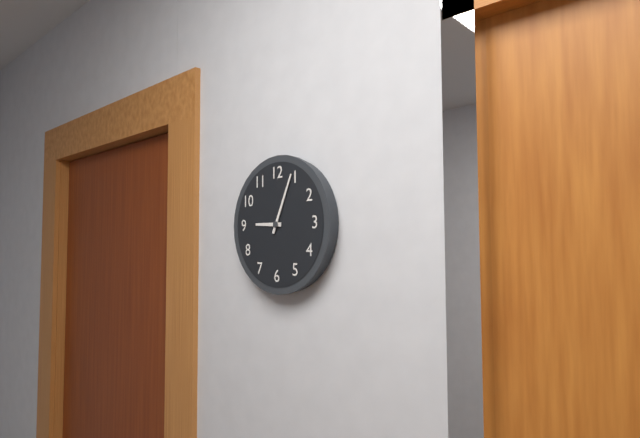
{"hour": 9, "minute": 4}
